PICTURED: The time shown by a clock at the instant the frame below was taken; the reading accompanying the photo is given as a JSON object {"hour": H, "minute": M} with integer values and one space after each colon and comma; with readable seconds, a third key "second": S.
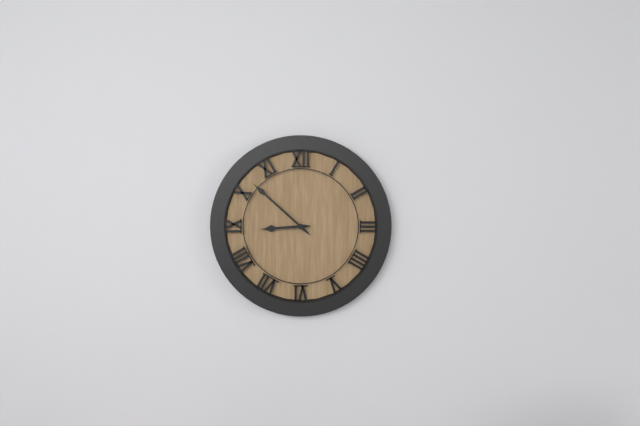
{"hour": 8, "minute": 52}
